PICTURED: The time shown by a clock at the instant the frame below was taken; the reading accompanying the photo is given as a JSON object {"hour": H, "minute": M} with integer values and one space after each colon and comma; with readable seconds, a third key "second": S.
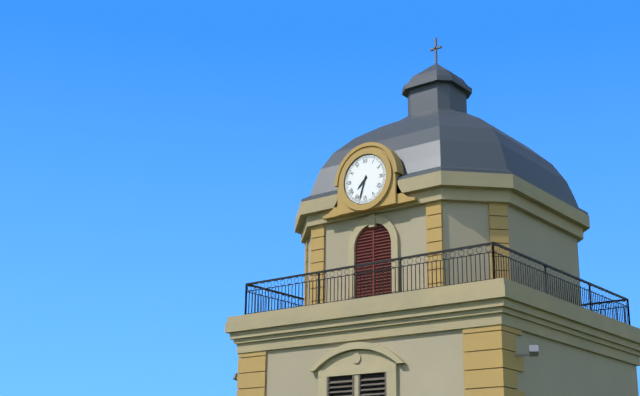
{"hour": 7, "minute": 33}
